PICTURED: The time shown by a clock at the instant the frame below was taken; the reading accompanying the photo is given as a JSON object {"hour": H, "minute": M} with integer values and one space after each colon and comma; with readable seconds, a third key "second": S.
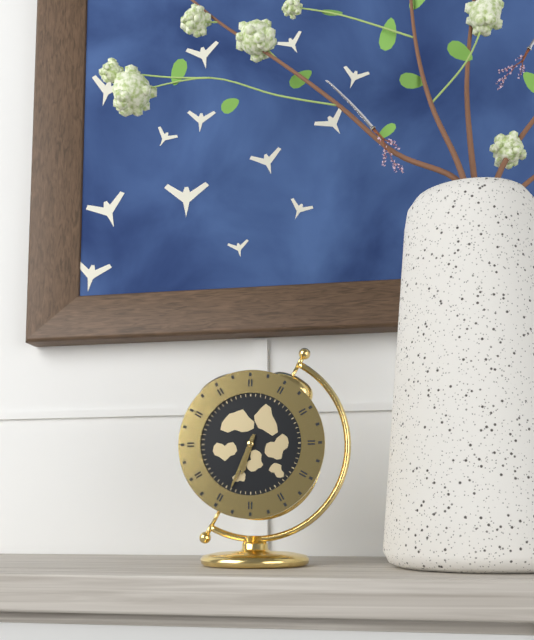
{"hour": 6, "minute": 34}
